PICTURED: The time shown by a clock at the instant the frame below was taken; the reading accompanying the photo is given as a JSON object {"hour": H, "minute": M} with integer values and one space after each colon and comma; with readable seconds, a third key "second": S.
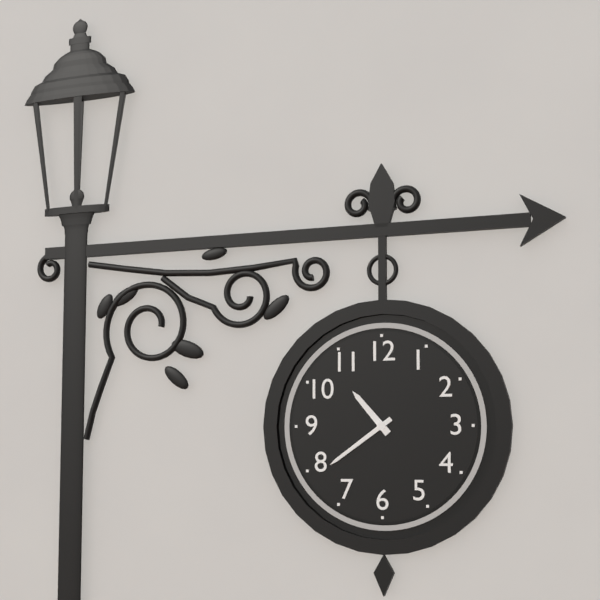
{"hour": 10, "minute": 39}
